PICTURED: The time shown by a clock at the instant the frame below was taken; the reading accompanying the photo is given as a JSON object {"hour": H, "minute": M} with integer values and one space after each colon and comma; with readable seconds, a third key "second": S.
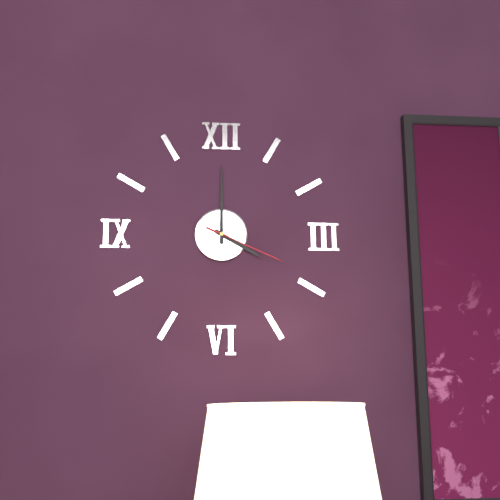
{"hour": 4, "minute": 0, "second": 19}
